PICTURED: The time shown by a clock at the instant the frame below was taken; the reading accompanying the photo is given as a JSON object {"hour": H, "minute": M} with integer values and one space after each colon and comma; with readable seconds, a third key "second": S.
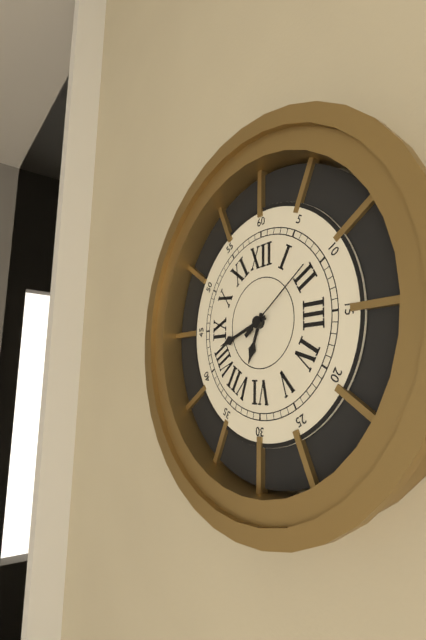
{"hour": 6, "minute": 42, "second": 9}
